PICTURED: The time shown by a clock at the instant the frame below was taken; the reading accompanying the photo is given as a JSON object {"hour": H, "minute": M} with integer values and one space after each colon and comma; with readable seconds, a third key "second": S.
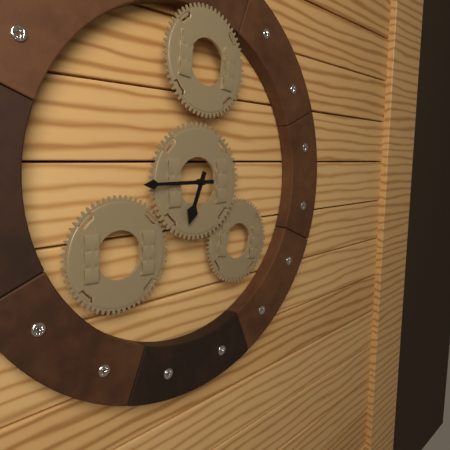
{"hour": 6, "minute": 45}
